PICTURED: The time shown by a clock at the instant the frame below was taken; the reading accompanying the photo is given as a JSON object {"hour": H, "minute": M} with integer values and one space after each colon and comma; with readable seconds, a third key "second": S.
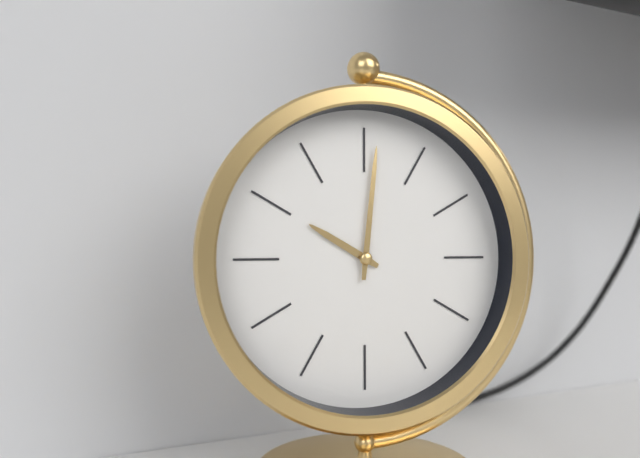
{"hour": 10, "minute": 1}
